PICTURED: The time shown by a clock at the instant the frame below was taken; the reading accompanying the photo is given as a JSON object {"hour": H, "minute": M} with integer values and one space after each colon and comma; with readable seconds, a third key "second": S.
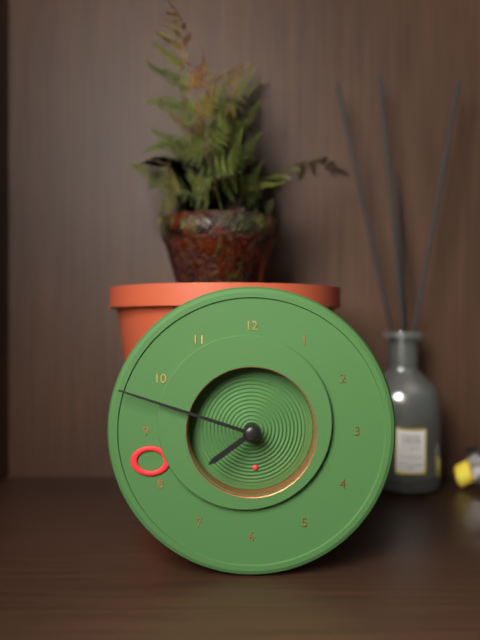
{"hour": 7, "minute": 48, "second": 29}
